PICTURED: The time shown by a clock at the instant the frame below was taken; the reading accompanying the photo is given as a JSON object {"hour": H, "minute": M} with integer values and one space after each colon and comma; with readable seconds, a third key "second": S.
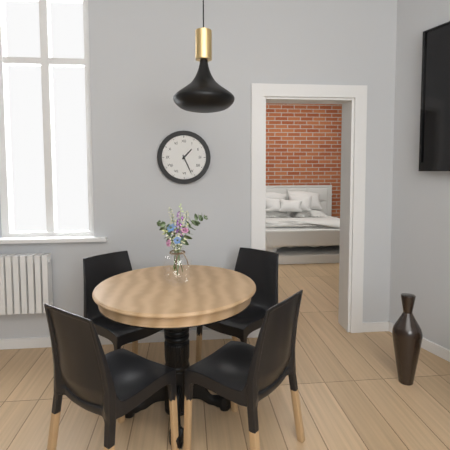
{"hour": 1, "minute": 26}
